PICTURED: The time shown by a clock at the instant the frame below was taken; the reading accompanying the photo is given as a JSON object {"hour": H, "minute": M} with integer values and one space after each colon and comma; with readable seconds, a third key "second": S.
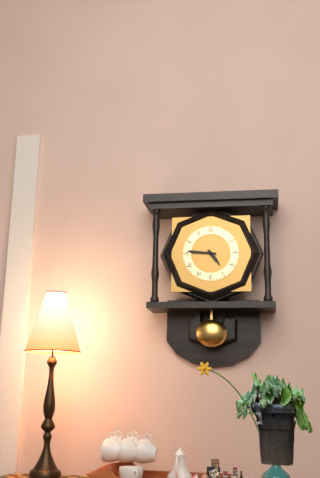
{"hour": 4, "minute": 46}
